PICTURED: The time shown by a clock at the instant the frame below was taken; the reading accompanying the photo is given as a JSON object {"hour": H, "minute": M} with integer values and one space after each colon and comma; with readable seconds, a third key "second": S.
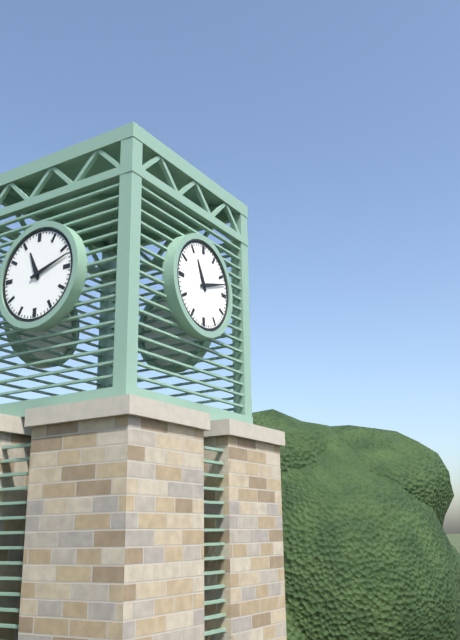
{"hour": 11, "minute": 12}
